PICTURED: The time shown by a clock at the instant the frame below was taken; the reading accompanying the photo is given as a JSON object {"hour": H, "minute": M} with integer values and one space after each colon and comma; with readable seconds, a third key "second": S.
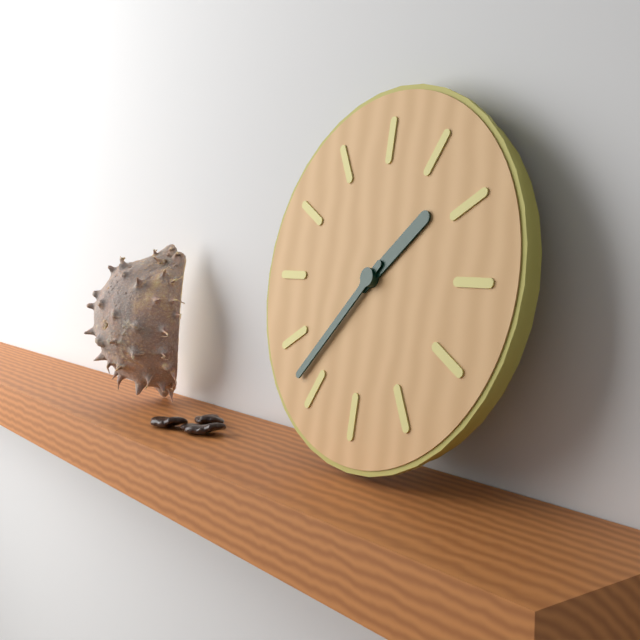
{"hour": 1, "minute": 37}
